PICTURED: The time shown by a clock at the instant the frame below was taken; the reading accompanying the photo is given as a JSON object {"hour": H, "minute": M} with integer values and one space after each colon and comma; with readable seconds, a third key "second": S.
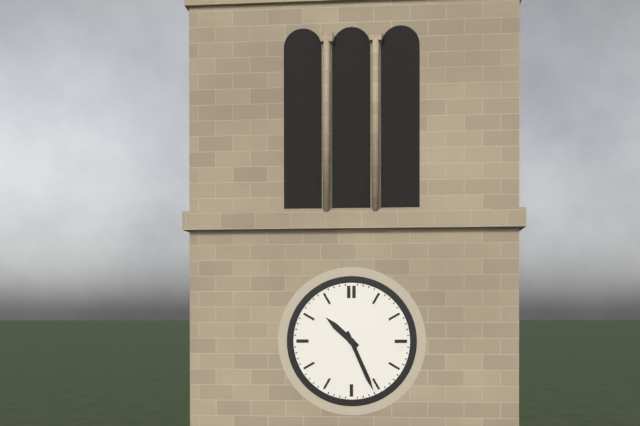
{"hour": 10, "minute": 26}
